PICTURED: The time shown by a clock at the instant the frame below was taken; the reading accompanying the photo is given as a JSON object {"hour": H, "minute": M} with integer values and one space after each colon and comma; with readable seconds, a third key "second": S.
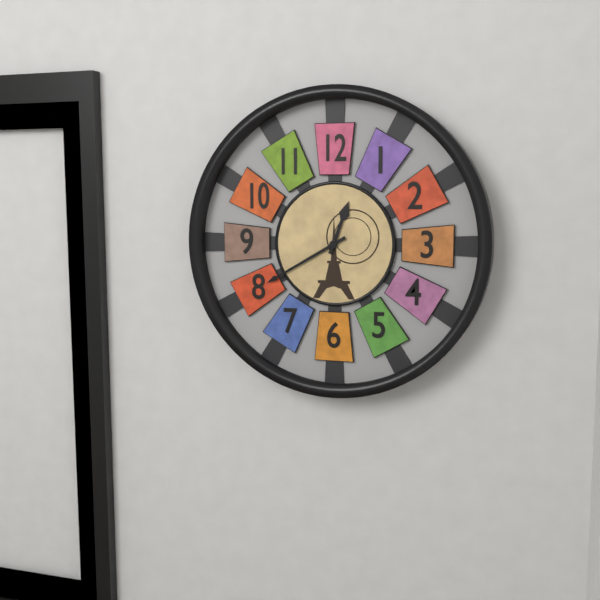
{"hour": 12, "minute": 40}
